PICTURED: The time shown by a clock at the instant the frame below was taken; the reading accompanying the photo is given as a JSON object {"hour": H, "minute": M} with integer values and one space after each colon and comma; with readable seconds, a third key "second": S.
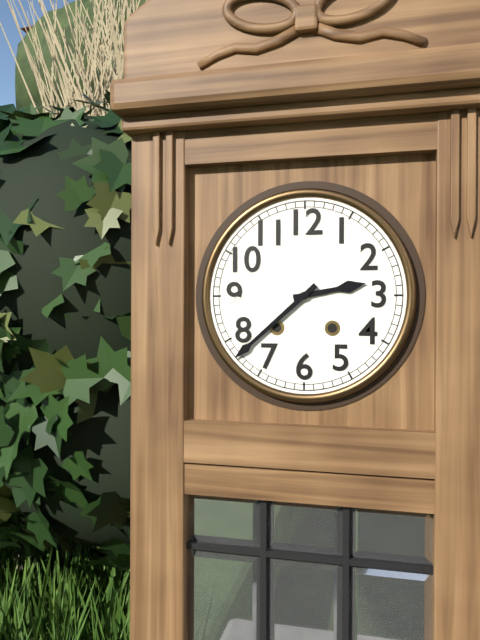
{"hour": 2, "minute": 38}
